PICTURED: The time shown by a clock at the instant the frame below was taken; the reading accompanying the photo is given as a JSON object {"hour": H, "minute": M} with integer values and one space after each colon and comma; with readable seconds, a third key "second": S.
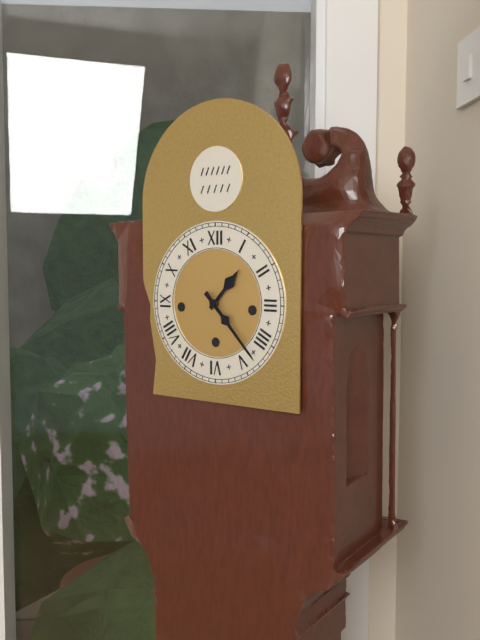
{"hour": 1, "minute": 23}
